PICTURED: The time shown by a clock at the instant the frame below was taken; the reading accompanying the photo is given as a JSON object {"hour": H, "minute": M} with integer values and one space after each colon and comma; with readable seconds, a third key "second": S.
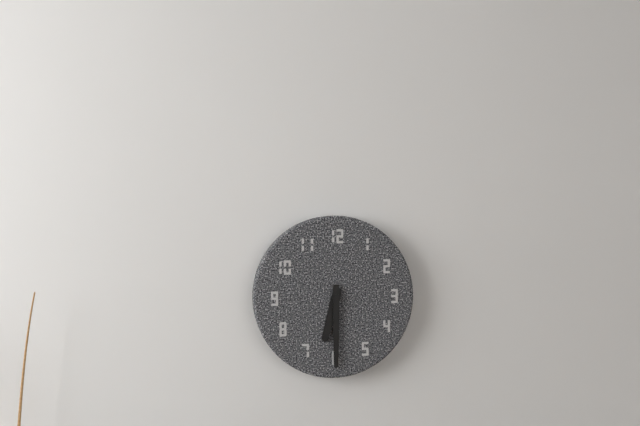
{"hour": 6, "minute": 30}
